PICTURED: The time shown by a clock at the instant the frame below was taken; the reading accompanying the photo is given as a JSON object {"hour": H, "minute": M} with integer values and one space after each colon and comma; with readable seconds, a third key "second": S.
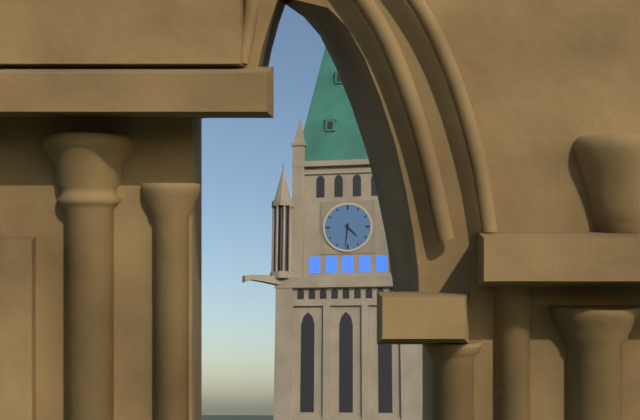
{"hour": 4, "minute": 31}
